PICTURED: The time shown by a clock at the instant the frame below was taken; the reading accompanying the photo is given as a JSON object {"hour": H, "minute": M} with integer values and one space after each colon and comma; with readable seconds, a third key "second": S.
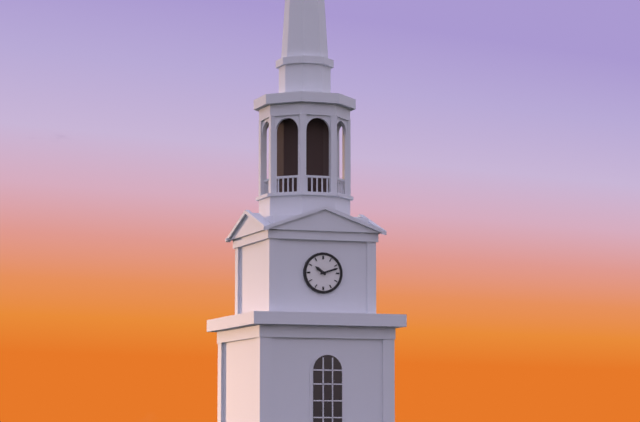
{"hour": 10, "minute": 12}
